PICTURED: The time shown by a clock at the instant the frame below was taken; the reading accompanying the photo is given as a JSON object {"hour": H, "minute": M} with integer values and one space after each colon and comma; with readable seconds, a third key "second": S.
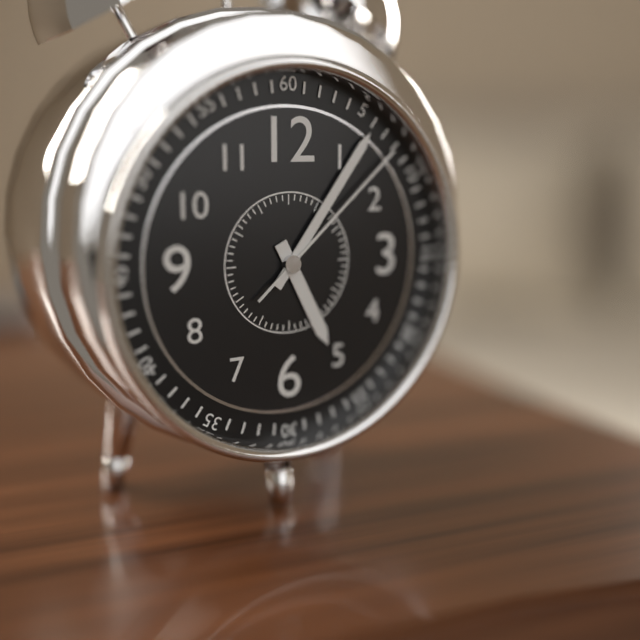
{"hour": 5, "minute": 6, "second": 8}
